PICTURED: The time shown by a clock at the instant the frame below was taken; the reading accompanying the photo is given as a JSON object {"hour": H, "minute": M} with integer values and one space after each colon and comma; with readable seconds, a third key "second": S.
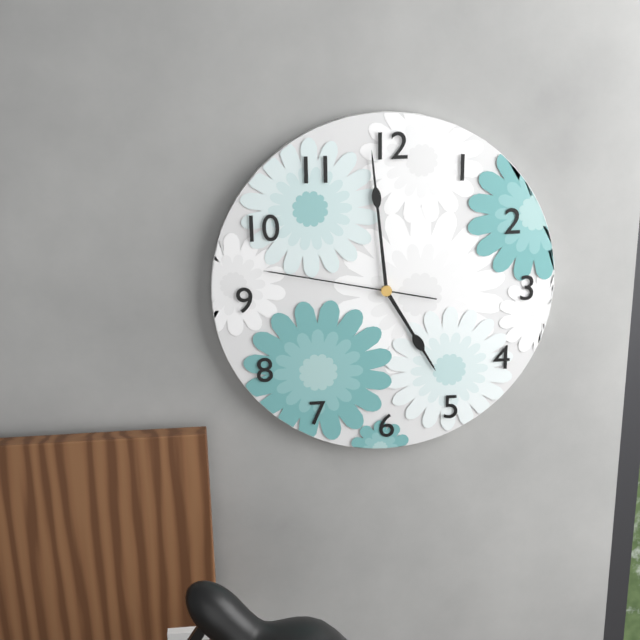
{"hour": 4, "minute": 59, "second": 47}
